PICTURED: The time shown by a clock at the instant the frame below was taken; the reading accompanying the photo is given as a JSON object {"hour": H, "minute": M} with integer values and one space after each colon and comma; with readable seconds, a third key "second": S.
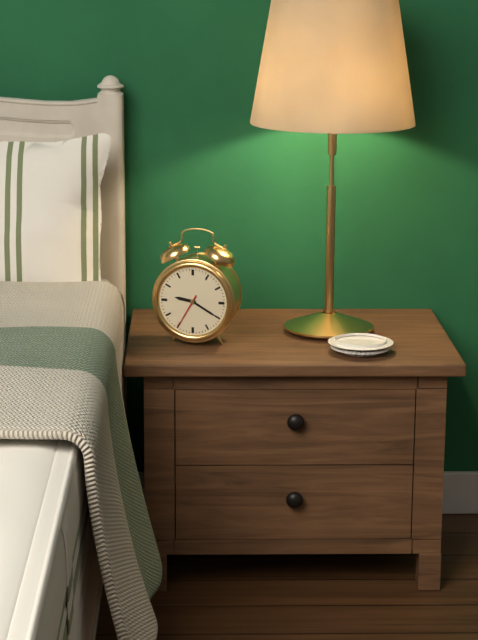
{"hour": 9, "minute": 20}
